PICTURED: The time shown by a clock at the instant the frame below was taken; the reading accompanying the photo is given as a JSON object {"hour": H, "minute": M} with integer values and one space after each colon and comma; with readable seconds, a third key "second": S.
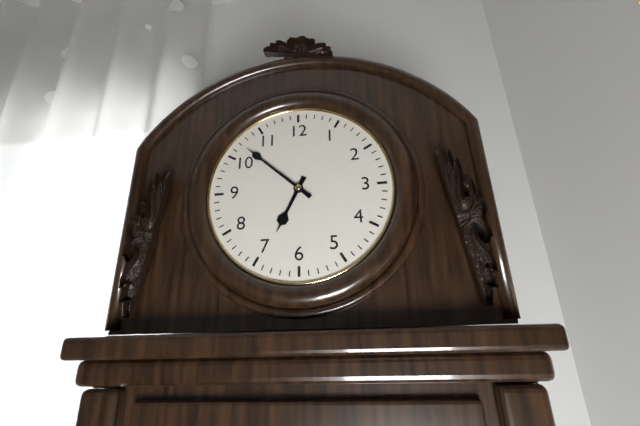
{"hour": 6, "minute": 52}
